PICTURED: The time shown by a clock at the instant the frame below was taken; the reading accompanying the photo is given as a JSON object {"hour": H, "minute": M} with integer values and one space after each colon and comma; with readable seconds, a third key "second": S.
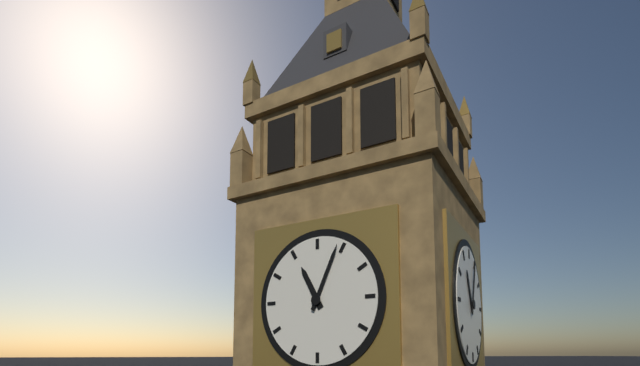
{"hour": 11, "minute": 4}
